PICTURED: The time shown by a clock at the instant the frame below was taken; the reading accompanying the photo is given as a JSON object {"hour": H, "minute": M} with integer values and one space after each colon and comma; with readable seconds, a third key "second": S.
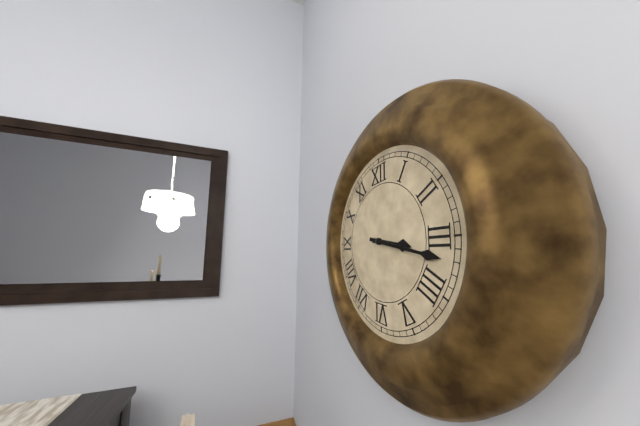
{"hour": 3, "minute": 17}
